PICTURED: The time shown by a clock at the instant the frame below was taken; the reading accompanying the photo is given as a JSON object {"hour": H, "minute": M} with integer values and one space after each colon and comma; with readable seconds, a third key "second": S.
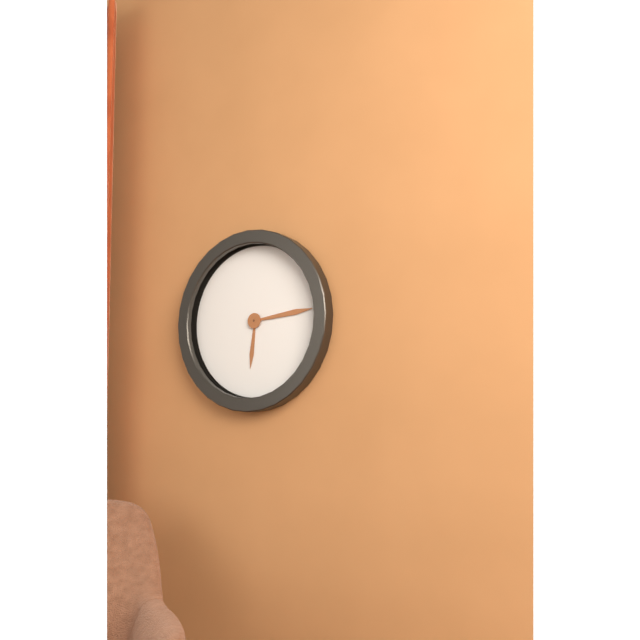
{"hour": 6, "minute": 14}
